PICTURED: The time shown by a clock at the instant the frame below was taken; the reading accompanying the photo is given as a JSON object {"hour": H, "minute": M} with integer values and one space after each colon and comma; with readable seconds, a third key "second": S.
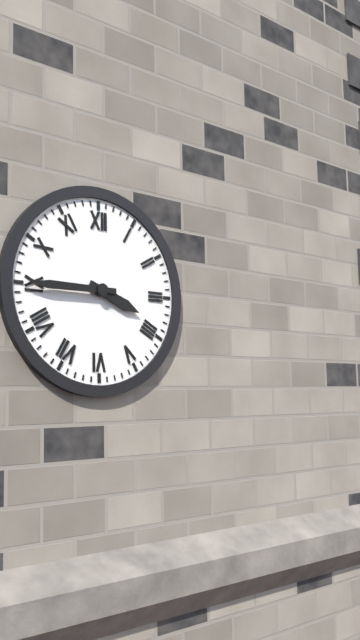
{"hour": 3, "minute": 45}
